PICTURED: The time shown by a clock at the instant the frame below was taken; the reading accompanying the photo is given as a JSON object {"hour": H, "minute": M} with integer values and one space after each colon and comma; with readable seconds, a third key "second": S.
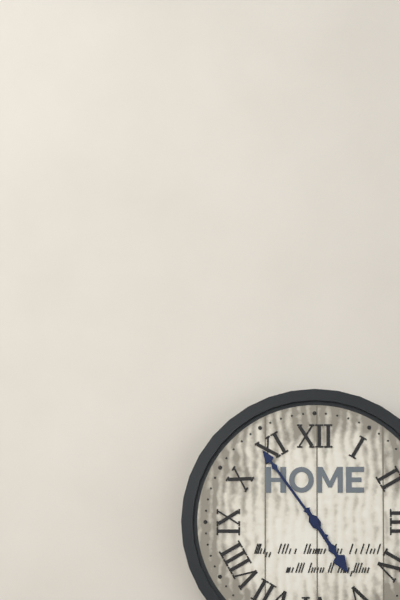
{"hour": 4, "minute": 54}
